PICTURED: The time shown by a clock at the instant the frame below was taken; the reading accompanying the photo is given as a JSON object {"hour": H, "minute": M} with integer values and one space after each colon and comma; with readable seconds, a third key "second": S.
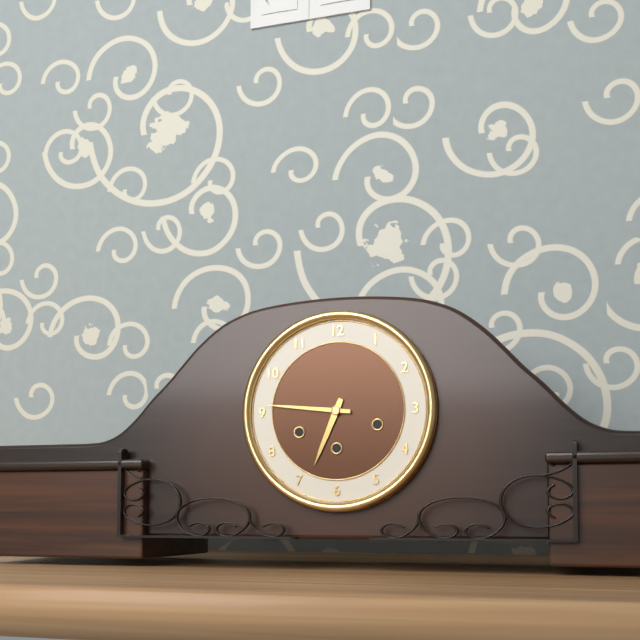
{"hour": 6, "minute": 46}
